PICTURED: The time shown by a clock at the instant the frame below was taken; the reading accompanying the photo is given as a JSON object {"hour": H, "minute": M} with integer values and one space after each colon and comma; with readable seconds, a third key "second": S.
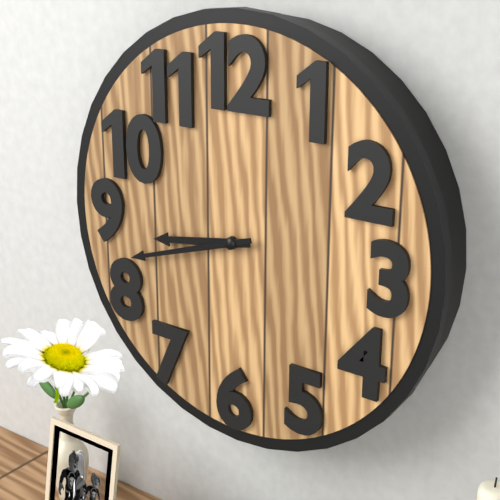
{"hour": 8, "minute": 42}
